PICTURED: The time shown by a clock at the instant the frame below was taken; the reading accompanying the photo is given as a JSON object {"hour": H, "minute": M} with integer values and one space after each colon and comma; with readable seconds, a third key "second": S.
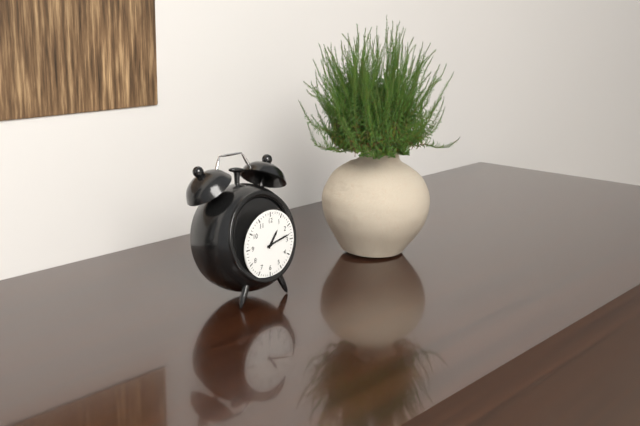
{"hour": 1, "minute": 13}
